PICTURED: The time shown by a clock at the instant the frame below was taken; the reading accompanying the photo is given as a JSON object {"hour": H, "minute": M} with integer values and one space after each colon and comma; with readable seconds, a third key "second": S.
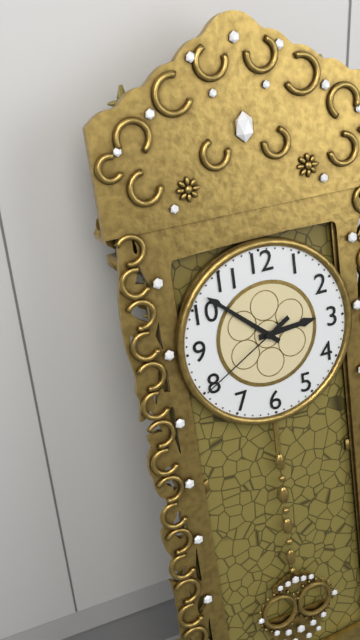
{"hour": 2, "minute": 52, "second": 40}
